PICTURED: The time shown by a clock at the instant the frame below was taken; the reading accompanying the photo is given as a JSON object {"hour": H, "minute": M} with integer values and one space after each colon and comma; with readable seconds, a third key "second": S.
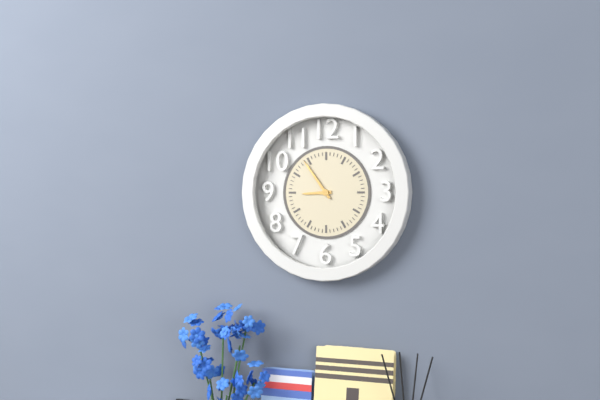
{"hour": 8, "minute": 54}
